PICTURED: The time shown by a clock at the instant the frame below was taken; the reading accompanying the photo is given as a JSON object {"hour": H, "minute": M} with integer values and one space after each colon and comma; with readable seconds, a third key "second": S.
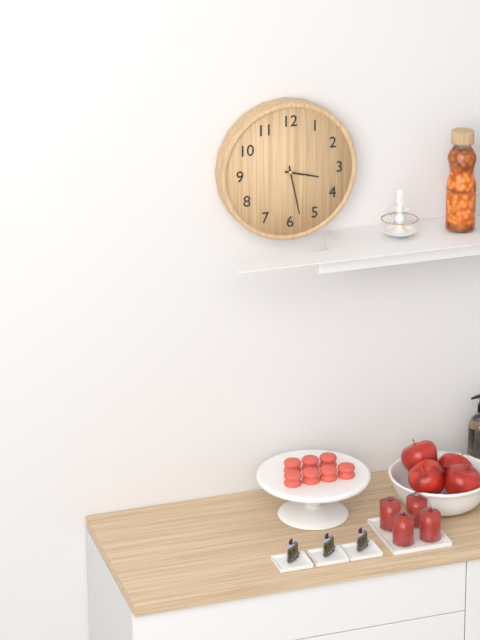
{"hour": 3, "minute": 28}
